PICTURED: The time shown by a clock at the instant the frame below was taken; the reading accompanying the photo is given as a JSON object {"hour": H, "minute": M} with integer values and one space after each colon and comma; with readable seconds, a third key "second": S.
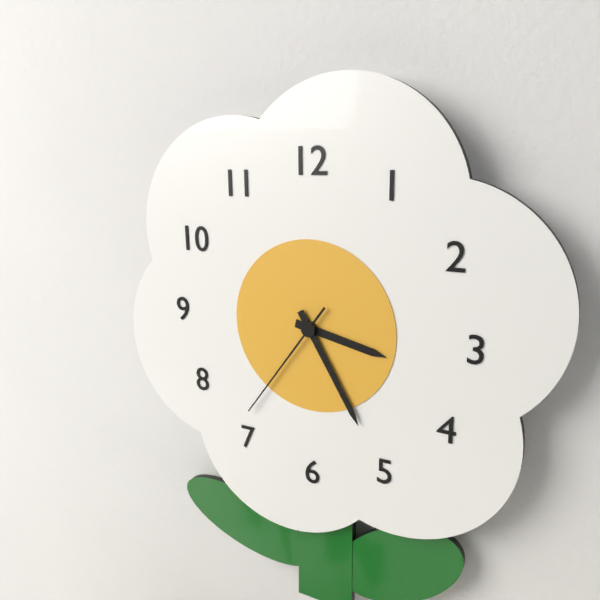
{"hour": 3, "minute": 25, "second": 36}
